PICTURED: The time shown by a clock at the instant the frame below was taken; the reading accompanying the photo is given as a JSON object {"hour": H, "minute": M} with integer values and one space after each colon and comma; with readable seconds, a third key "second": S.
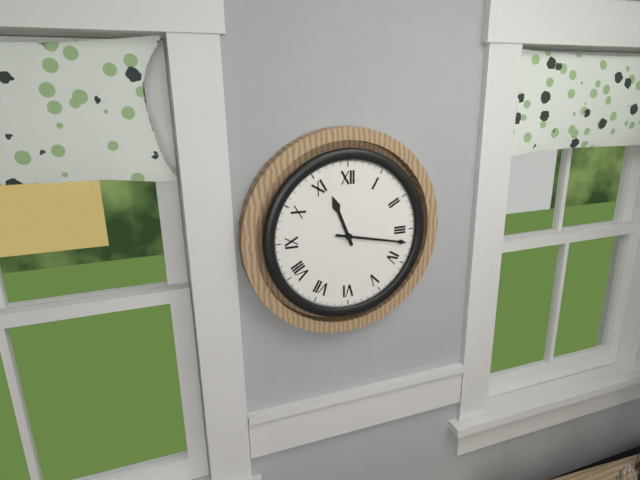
{"hour": 11, "minute": 17}
